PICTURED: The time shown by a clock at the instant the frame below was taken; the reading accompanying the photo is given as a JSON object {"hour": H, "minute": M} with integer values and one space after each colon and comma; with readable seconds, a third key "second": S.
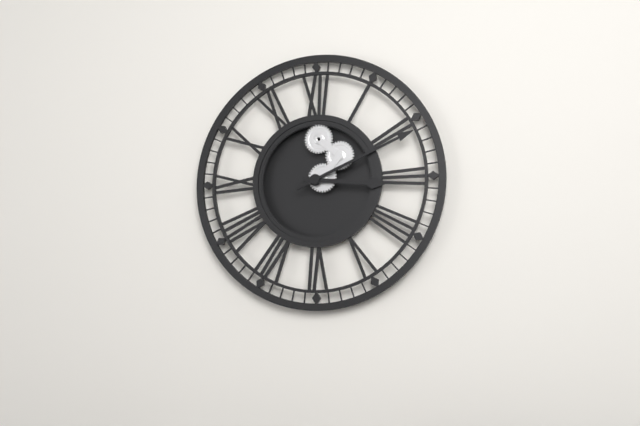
{"hour": 3, "minute": 11}
